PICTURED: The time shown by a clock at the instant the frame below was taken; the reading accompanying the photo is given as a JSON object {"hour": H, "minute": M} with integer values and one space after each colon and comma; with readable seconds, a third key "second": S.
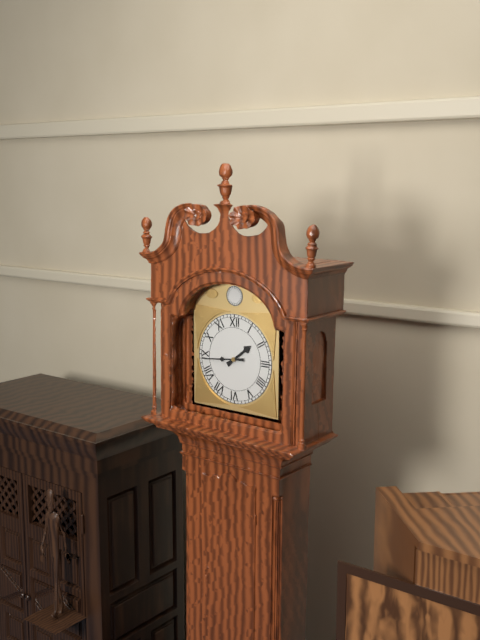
{"hour": 1, "minute": 44}
